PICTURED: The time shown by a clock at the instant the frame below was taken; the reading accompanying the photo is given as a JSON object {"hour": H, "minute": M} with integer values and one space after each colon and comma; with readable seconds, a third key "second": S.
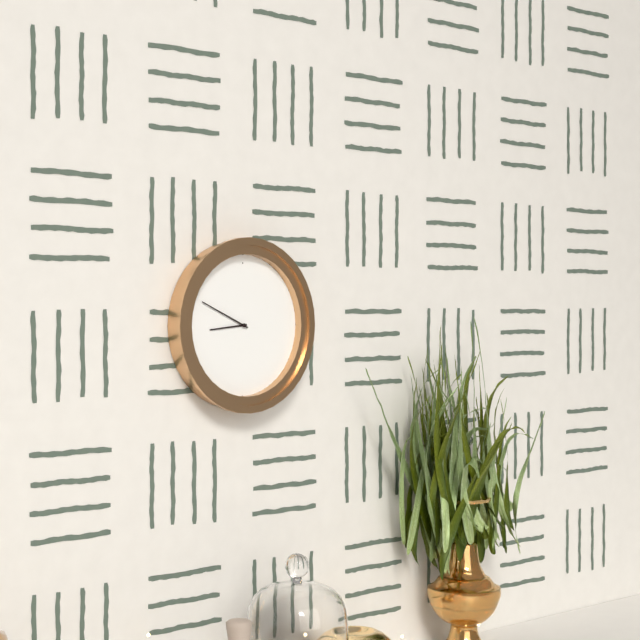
{"hour": 8, "minute": 49}
